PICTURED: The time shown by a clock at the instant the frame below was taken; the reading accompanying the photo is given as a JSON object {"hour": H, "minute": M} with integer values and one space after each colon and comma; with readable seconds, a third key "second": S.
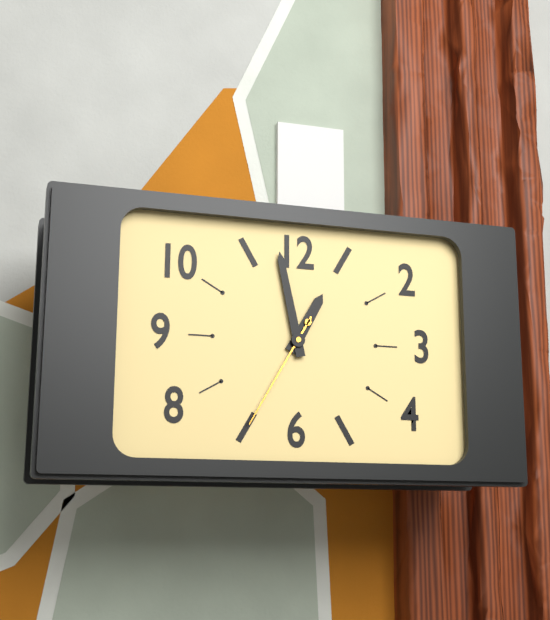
{"hour": 12, "minute": 58, "second": 35}
